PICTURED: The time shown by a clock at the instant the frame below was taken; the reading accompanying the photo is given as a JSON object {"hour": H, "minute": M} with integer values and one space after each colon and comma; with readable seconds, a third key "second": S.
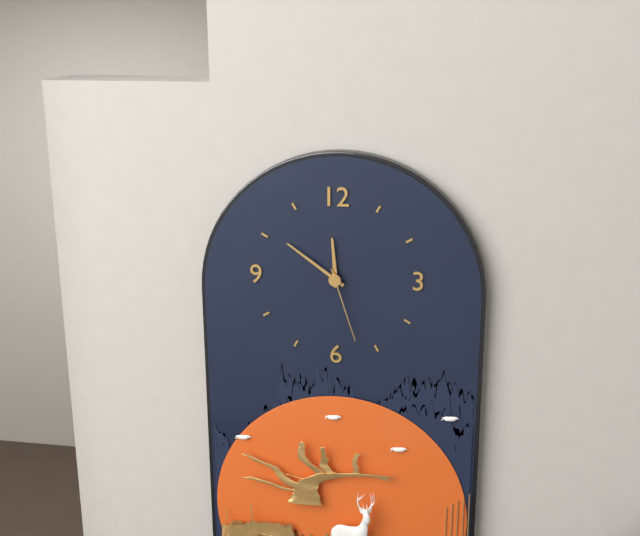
{"hour": 11, "minute": 51, "second": 27}
